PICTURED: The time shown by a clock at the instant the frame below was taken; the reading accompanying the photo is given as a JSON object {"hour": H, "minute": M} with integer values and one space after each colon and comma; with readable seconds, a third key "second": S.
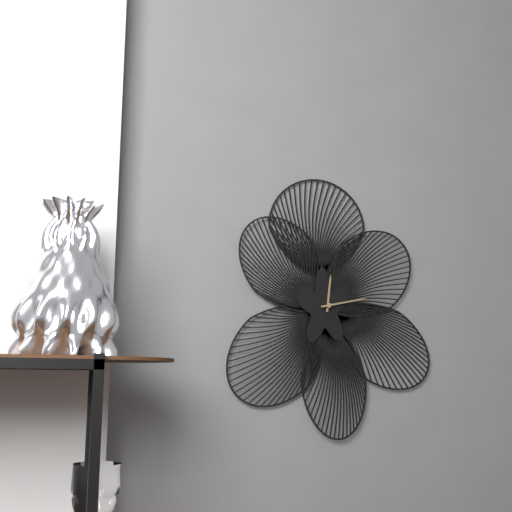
{"hour": 12, "minute": 13}
